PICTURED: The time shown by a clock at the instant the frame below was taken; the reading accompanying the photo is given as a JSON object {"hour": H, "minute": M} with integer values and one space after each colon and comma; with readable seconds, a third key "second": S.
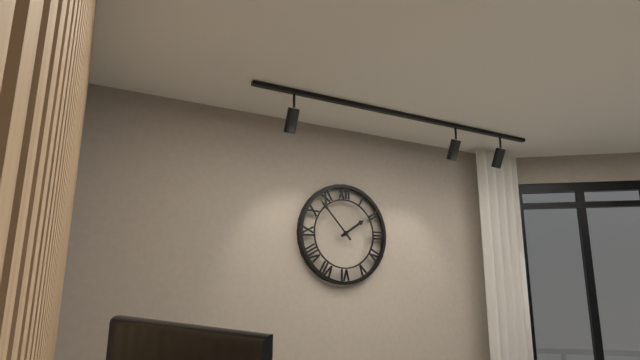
{"hour": 1, "minute": 53}
